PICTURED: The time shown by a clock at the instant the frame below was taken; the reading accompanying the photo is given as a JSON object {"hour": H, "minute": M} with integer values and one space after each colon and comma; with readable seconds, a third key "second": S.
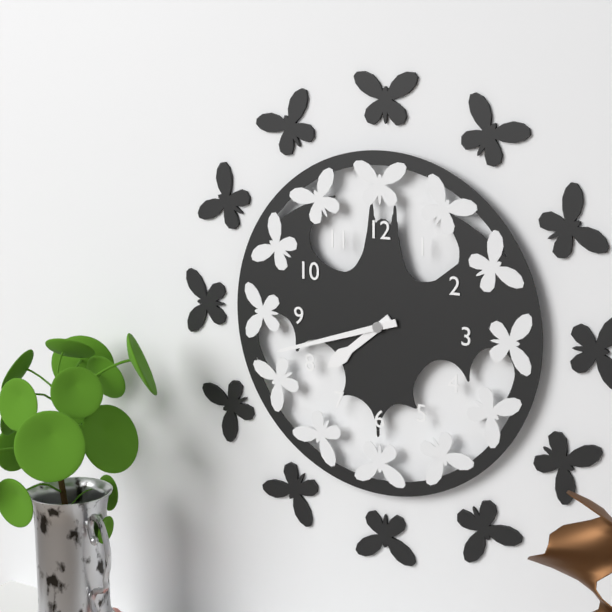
{"hour": 7, "minute": 42}
